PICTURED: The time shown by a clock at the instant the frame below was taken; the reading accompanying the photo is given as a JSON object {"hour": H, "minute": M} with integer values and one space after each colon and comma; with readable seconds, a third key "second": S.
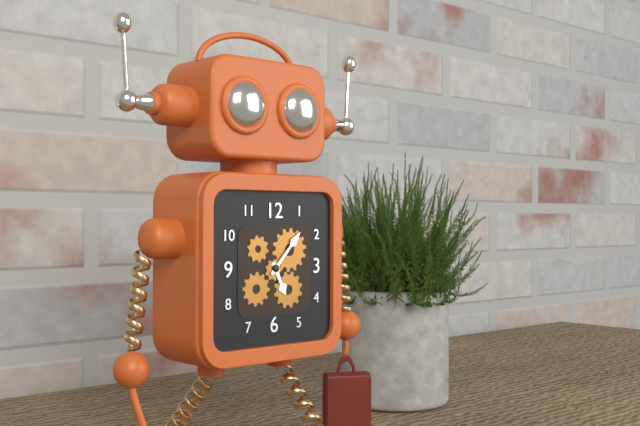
{"hour": 5, "minute": 7}
